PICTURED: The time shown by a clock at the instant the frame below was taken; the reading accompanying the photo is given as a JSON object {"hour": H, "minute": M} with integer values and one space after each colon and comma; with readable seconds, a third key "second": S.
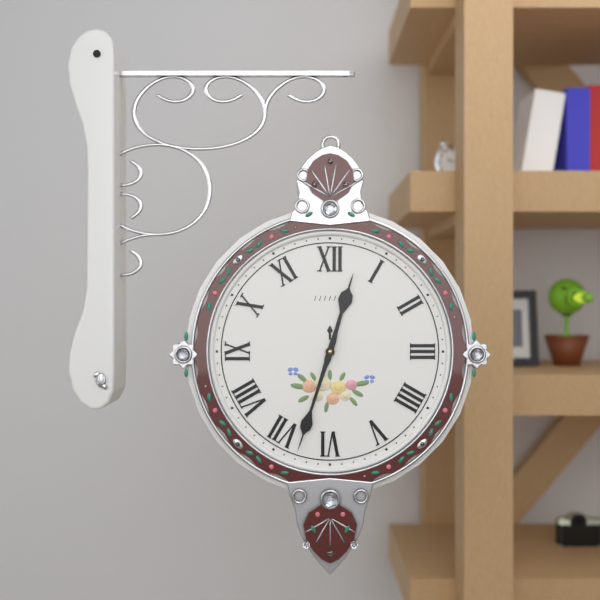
{"hour": 12, "minute": 33}
